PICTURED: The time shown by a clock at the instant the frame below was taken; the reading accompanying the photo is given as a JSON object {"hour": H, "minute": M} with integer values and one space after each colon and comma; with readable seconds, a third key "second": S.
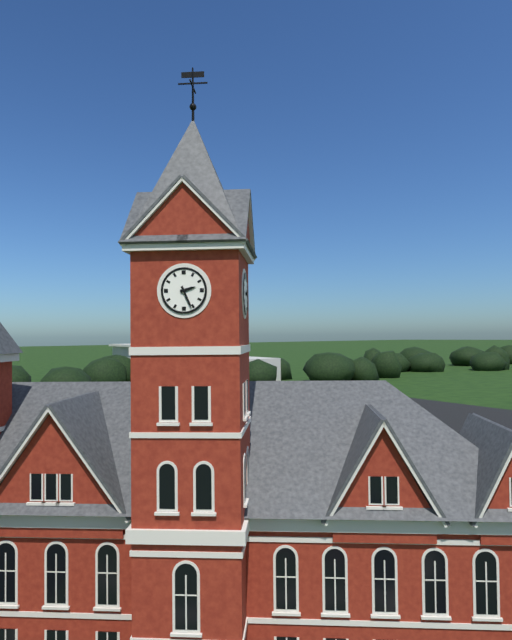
{"hour": 2, "minute": 26}
